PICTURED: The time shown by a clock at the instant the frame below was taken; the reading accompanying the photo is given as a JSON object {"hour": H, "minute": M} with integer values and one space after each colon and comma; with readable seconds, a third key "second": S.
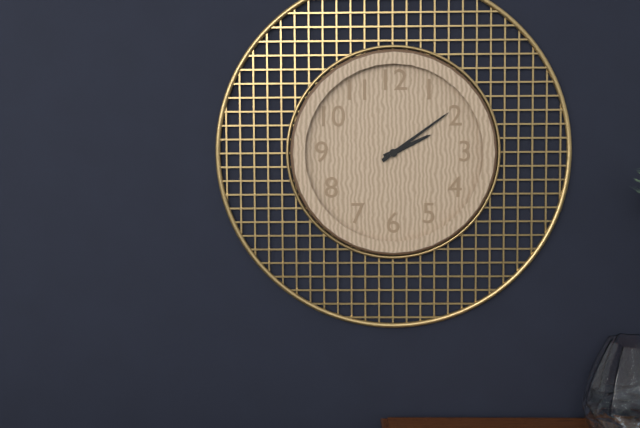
{"hour": 2, "minute": 9}
